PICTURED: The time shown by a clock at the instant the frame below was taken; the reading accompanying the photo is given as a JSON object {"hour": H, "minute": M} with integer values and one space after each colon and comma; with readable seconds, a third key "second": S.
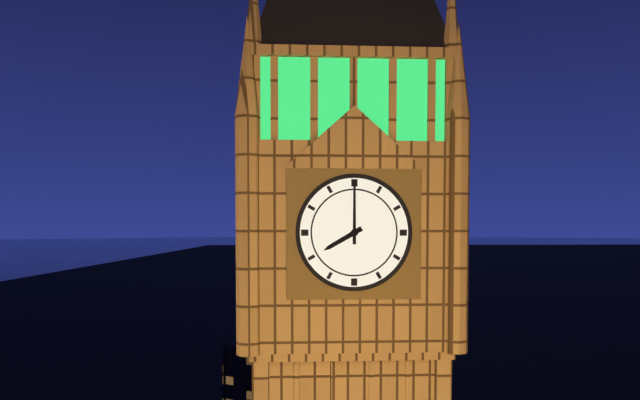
{"hour": 8, "minute": 0}
